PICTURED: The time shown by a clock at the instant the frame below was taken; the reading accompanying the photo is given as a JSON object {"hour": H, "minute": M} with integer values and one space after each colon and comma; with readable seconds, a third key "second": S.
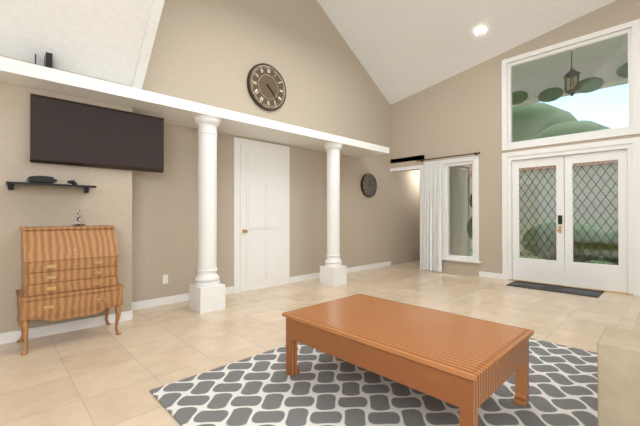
{"hour": 4, "minute": 23}
